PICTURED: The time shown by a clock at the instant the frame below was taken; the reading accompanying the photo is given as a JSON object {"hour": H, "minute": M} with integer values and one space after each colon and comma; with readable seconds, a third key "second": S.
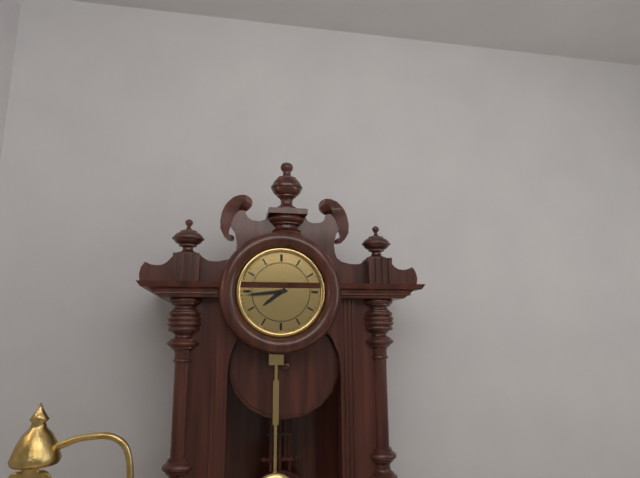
{"hour": 7, "minute": 44}
